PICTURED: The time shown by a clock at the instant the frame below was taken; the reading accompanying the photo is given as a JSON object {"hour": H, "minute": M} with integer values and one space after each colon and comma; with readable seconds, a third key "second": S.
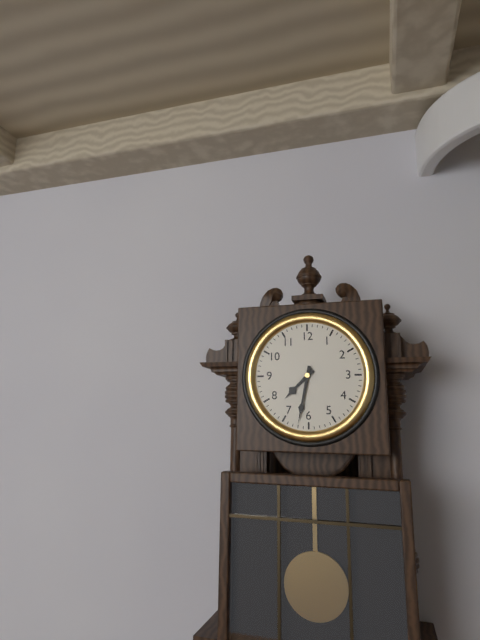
{"hour": 7, "minute": 32}
